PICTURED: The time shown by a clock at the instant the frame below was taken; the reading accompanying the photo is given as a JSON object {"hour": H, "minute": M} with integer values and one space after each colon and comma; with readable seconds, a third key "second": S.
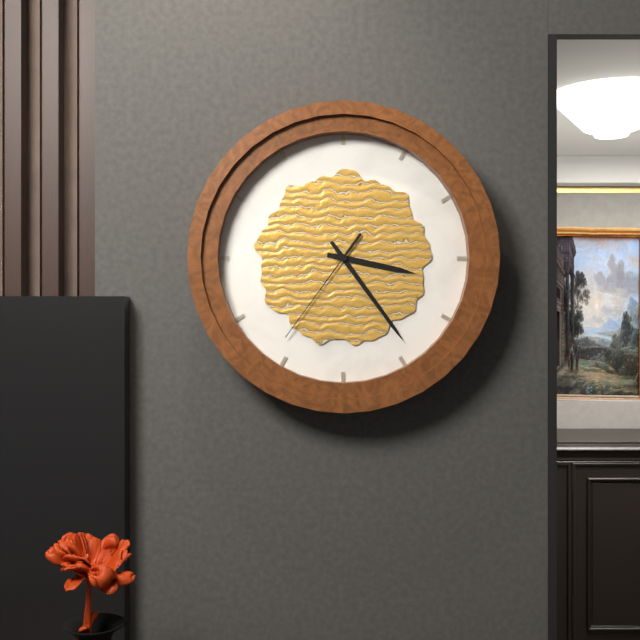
{"hour": 3, "minute": 24, "second": 36}
